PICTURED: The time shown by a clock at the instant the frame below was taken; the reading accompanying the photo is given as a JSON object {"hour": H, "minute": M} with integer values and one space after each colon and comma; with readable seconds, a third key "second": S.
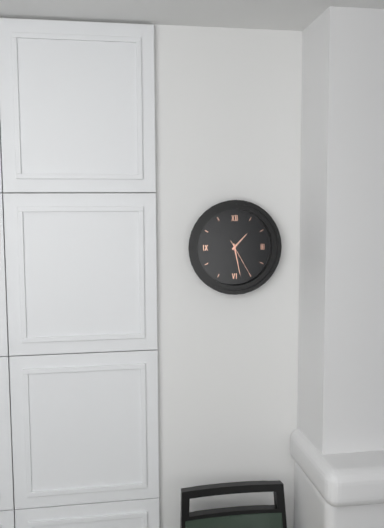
{"hour": 1, "minute": 28}
